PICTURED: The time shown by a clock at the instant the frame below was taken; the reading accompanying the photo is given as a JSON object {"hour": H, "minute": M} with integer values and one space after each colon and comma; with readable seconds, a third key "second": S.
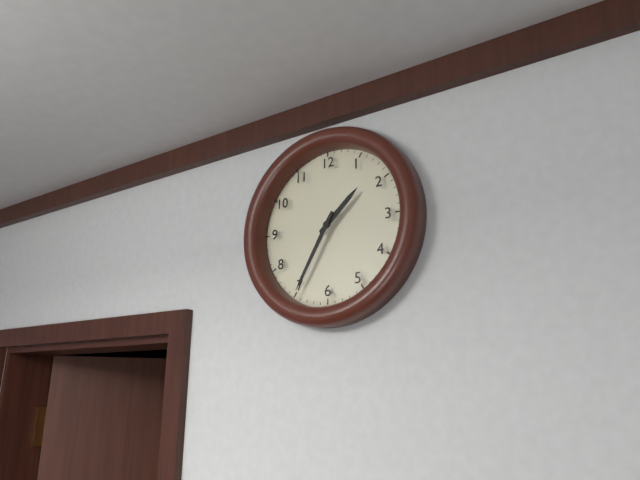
{"hour": 1, "minute": 35}
